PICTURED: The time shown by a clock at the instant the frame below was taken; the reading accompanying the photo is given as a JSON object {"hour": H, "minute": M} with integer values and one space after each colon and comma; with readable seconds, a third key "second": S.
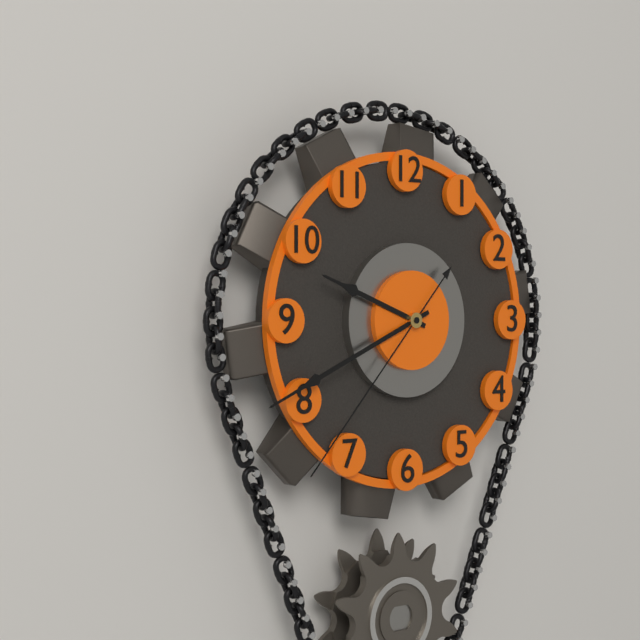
{"hour": 9, "minute": 41, "second": 37}
